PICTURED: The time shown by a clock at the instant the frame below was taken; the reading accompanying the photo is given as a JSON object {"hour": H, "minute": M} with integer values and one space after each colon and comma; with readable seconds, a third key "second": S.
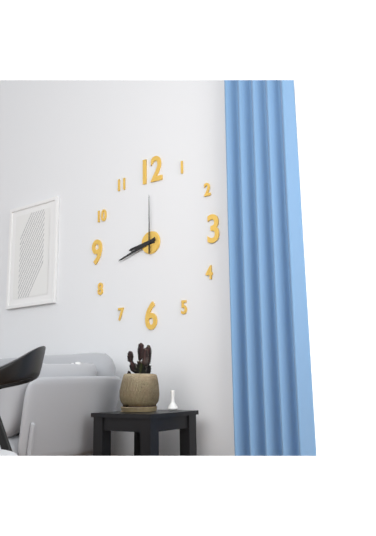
{"hour": 8, "minute": 42, "second": 0}
